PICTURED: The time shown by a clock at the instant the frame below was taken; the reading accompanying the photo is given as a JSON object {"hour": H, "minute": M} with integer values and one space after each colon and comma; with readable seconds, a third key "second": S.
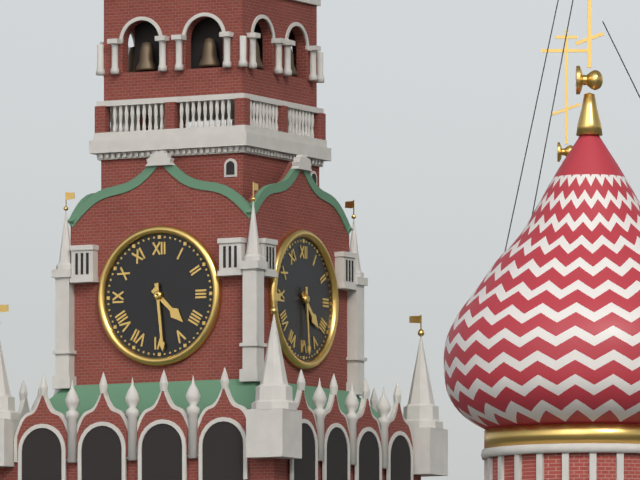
{"hour": 4, "minute": 29}
